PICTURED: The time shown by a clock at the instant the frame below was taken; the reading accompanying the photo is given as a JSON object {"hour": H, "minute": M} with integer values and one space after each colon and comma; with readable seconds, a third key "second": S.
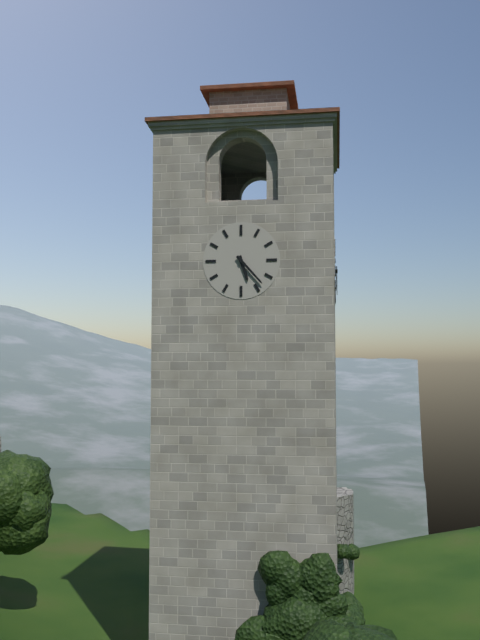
{"hour": 5, "minute": 23}
